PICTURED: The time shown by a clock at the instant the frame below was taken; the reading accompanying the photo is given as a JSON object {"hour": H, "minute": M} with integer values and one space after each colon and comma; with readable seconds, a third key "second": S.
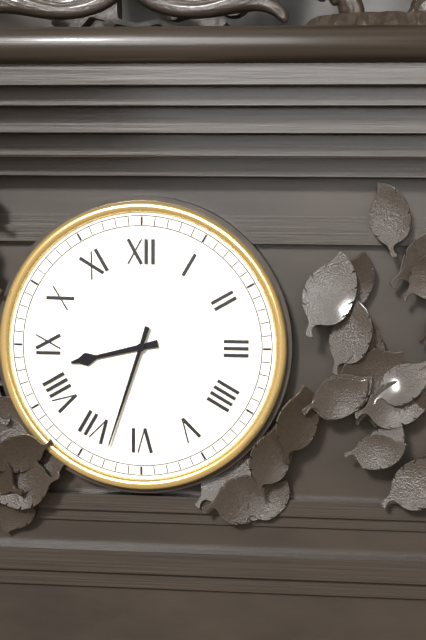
{"hour": 8, "minute": 33}
